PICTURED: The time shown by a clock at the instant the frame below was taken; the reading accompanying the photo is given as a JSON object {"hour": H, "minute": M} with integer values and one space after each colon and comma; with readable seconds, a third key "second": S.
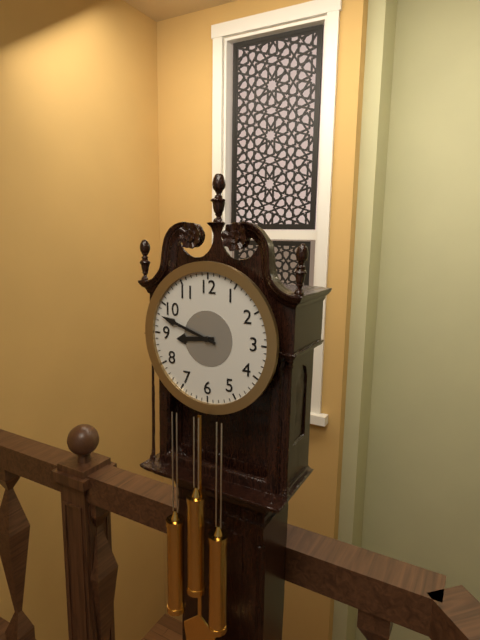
{"hour": 8, "minute": 48}
